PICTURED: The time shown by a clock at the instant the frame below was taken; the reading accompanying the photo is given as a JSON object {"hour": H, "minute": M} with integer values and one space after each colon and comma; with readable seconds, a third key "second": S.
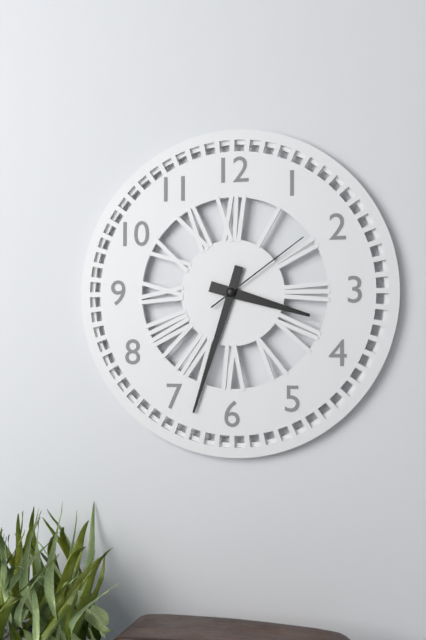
{"hour": 3, "minute": 33, "second": 9}
